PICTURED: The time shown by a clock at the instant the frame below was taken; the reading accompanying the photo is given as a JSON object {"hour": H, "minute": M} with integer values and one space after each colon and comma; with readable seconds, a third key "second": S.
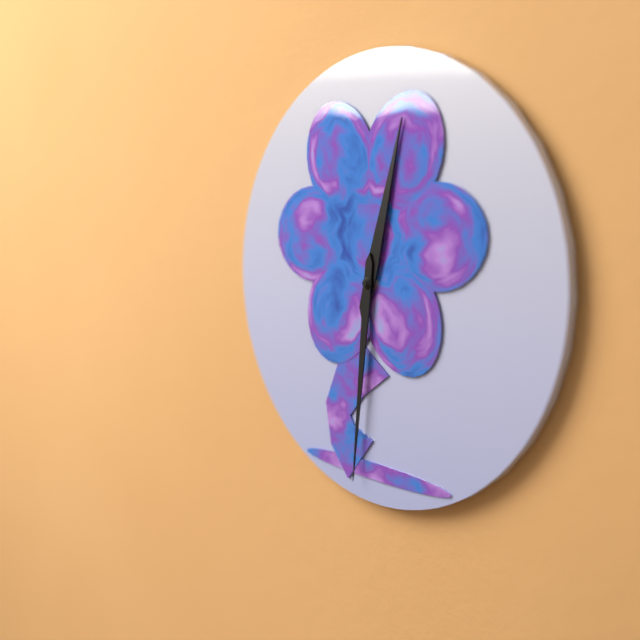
{"hour": 12, "minute": 31}
